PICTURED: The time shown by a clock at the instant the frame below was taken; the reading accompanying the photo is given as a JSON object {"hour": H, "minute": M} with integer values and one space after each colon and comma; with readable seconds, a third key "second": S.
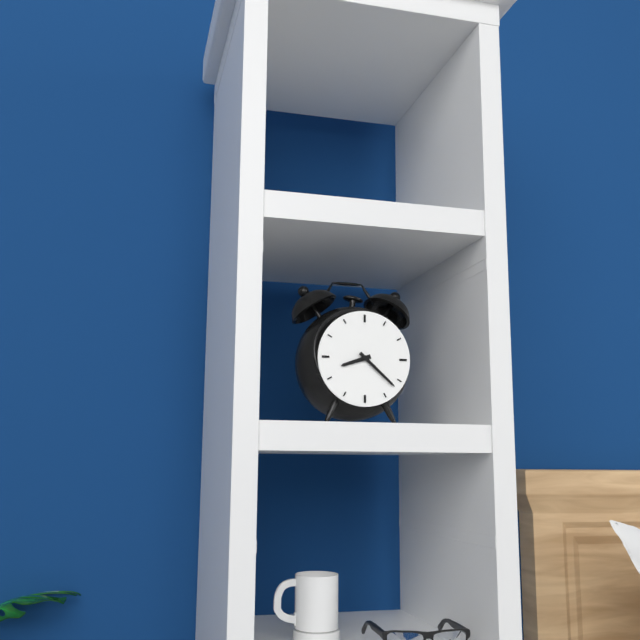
{"hour": 8, "minute": 22}
